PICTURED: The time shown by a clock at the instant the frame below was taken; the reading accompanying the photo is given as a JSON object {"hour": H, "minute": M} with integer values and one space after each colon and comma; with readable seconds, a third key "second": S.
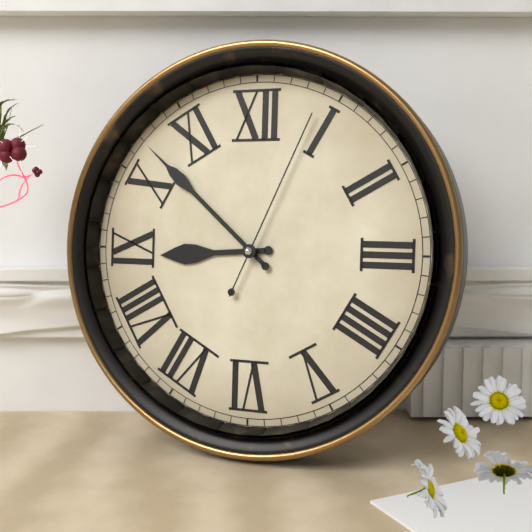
{"hour": 8, "minute": 52, "second": 4}
